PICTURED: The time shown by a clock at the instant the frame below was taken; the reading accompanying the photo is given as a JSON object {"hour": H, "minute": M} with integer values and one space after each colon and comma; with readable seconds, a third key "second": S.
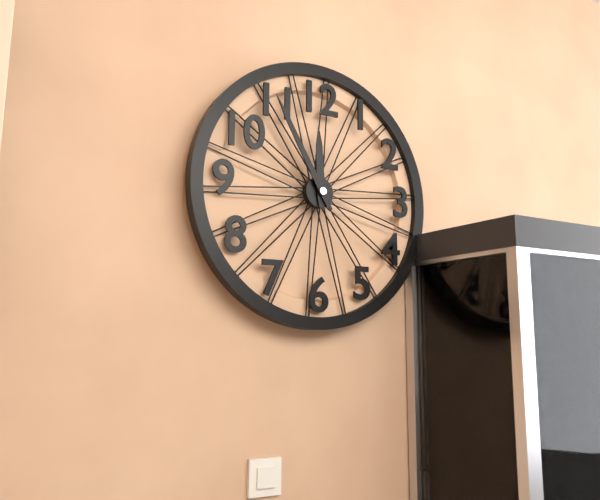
{"hour": 11, "minute": 55}
